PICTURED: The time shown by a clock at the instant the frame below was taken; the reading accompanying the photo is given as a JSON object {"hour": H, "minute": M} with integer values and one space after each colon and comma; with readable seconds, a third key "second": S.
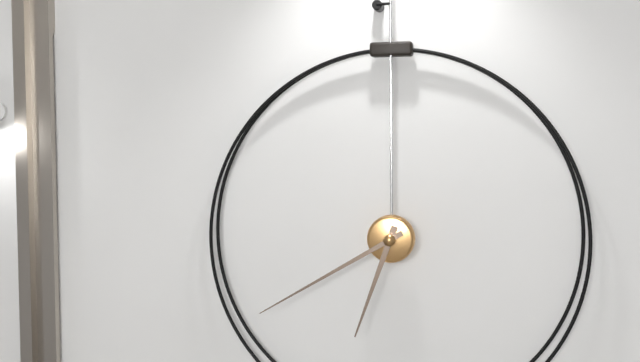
{"hour": 6, "minute": 40}
